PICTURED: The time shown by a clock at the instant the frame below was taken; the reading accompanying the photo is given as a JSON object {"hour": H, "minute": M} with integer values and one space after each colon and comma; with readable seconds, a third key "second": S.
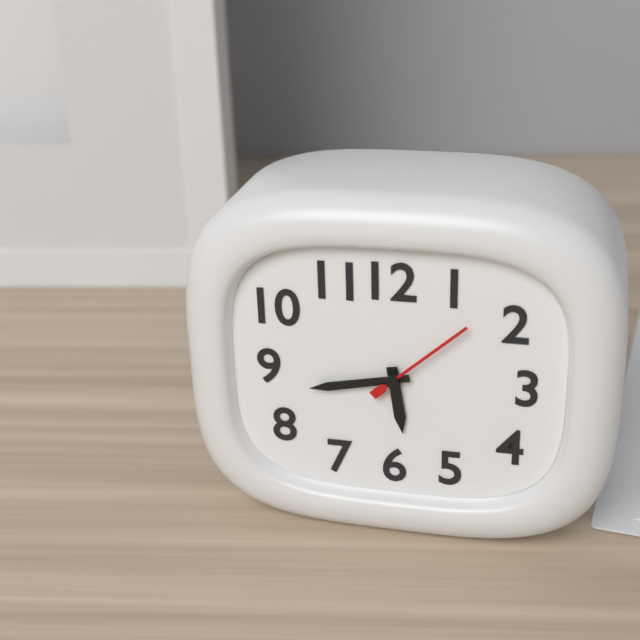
{"hour": 5, "minute": 43, "second": 8}
